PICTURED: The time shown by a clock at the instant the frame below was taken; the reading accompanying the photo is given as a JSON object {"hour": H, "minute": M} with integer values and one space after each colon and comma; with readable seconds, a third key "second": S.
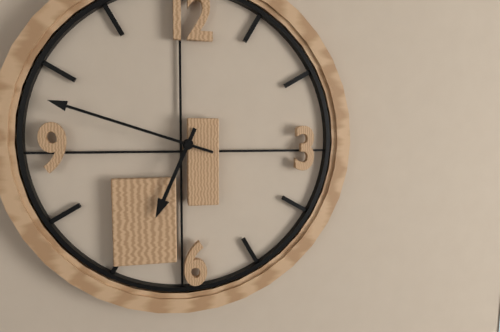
{"hour": 6, "minute": 48}
